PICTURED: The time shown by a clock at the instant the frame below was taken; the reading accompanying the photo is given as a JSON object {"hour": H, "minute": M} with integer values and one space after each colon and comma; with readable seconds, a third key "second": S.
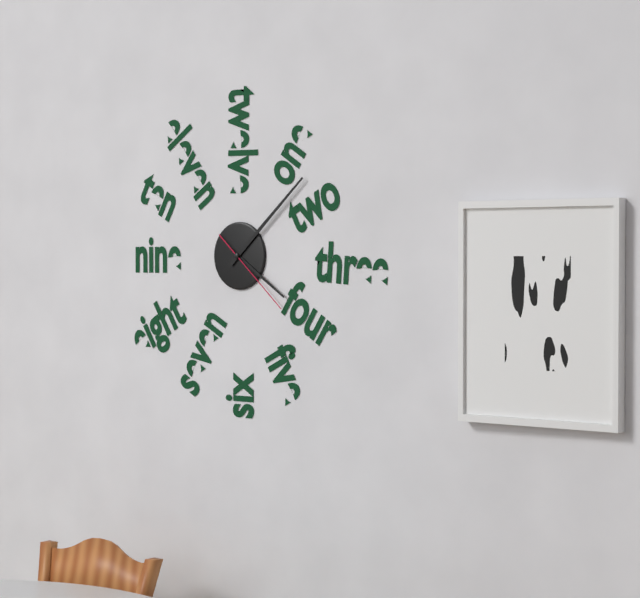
{"hour": 4, "minute": 8, "second": 22}
